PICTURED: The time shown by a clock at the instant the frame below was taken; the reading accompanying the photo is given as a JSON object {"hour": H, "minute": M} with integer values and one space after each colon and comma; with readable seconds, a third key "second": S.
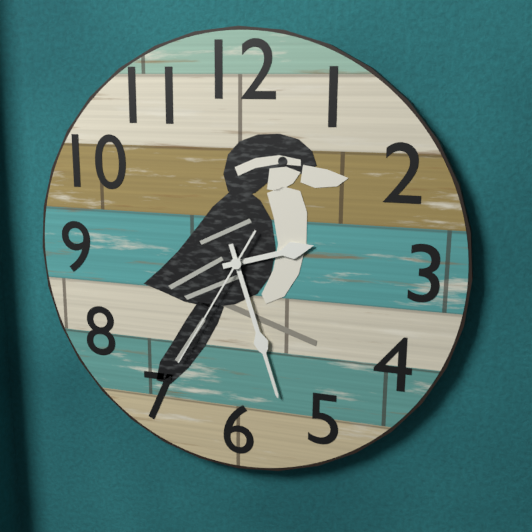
{"hour": 2, "minute": 27, "second": 35}
